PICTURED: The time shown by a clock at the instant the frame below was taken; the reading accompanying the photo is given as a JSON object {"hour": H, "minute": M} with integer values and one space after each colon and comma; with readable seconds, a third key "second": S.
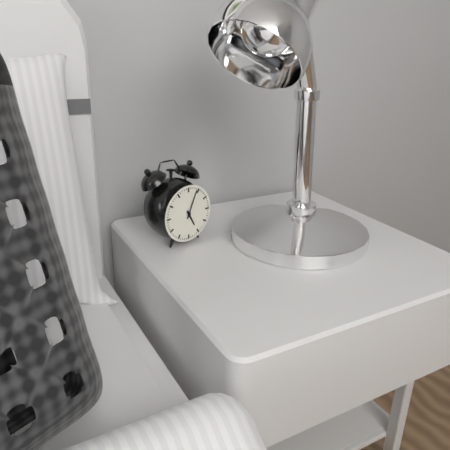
{"hour": 5, "minute": 4}
